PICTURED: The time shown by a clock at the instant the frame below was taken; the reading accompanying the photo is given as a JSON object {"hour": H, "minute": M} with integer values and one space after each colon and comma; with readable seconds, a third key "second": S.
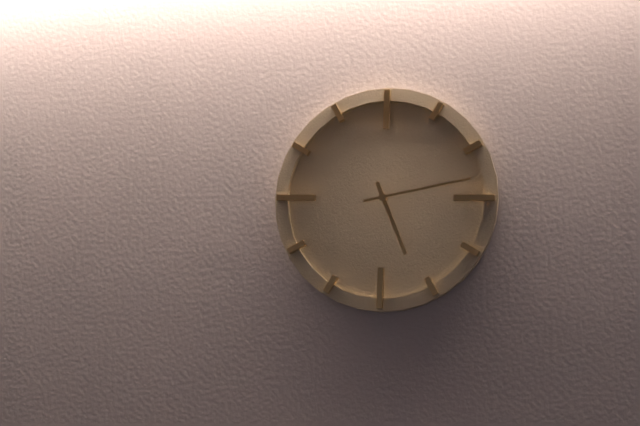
{"hour": 5, "minute": 13}
